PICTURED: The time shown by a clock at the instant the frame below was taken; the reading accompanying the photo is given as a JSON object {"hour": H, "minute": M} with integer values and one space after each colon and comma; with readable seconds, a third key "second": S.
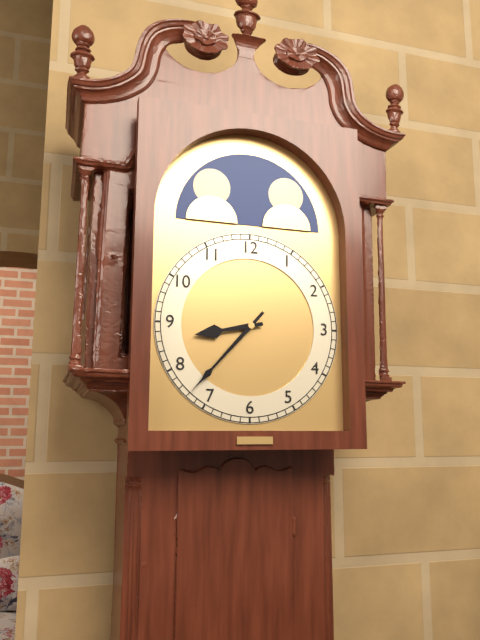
{"hour": 8, "minute": 37}
